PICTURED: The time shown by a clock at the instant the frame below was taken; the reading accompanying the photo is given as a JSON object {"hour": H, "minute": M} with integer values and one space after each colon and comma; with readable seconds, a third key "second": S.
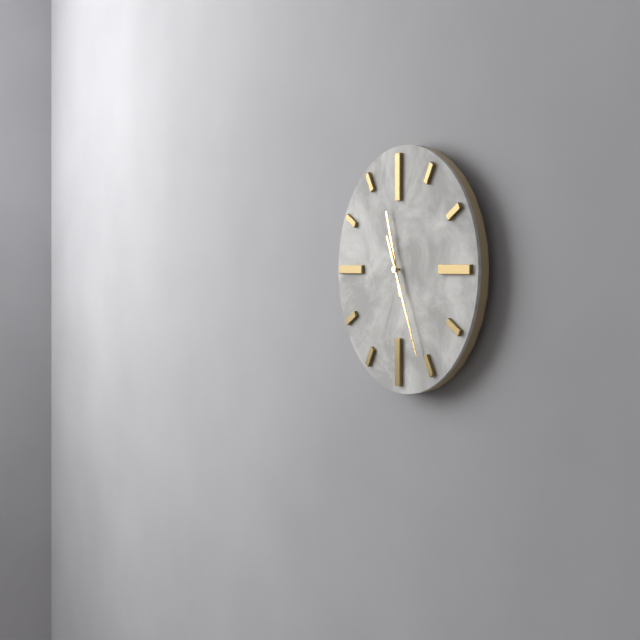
{"hour": 11, "minute": 26}
